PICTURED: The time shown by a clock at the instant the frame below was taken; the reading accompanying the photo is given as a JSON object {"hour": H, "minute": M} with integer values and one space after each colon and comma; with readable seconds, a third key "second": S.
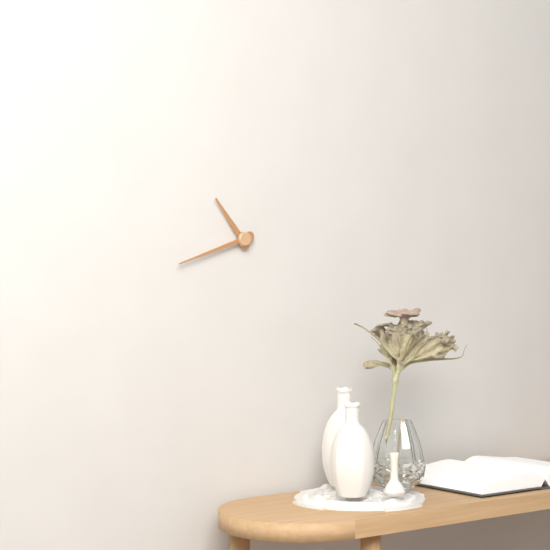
{"hour": 10, "minute": 42}
